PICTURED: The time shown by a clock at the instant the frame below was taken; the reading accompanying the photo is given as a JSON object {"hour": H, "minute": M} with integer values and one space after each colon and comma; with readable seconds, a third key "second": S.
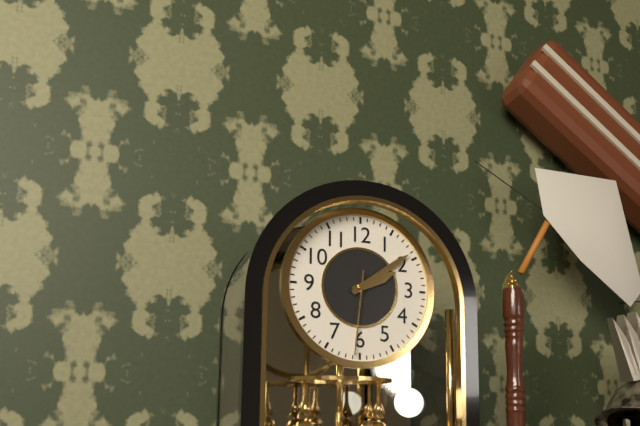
{"hour": 2, "minute": 9, "second": 31}
